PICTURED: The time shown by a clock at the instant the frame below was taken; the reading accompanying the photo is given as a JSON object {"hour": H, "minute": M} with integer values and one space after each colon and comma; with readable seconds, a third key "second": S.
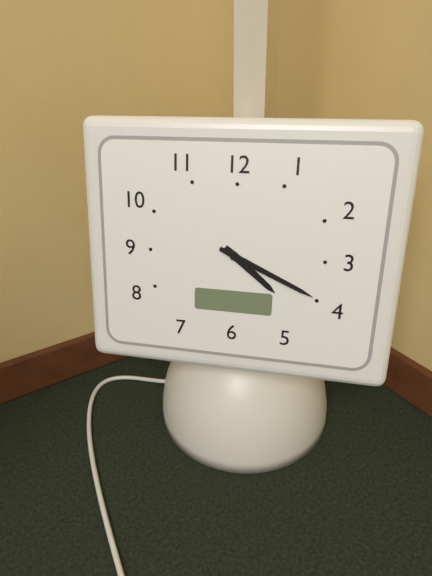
{"hour": 4, "minute": 19}
